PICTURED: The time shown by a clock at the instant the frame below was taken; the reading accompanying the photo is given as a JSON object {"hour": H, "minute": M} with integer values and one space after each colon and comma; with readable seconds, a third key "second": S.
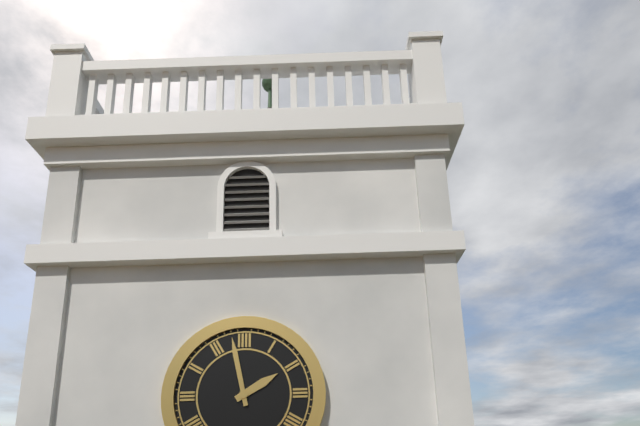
{"hour": 1, "minute": 58}
